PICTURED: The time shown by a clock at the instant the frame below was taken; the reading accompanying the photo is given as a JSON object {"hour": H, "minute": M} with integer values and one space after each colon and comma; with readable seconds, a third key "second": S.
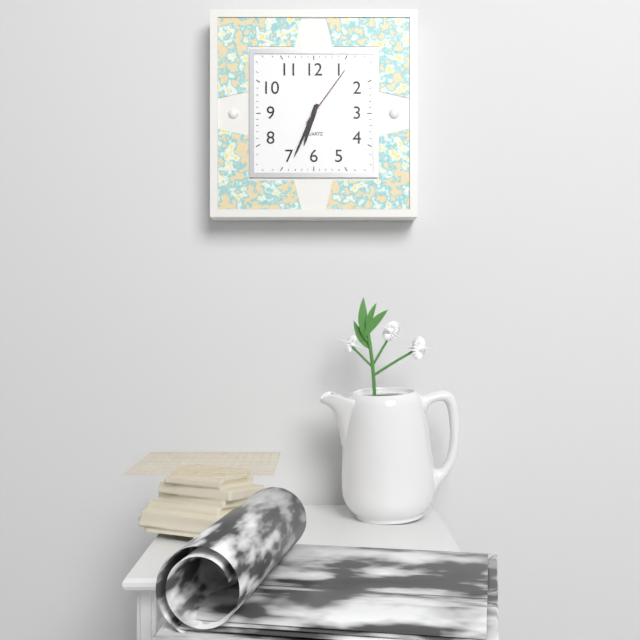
{"hour": 6, "minute": 34, "second": 6}
